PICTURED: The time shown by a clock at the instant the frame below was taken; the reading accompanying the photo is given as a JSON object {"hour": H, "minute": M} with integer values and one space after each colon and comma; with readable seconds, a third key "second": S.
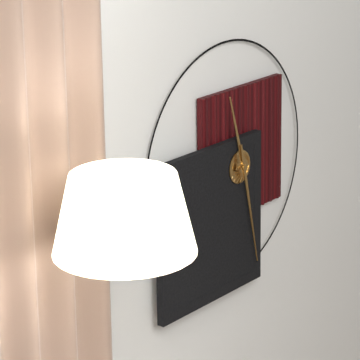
{"hour": 11, "minute": 28}
